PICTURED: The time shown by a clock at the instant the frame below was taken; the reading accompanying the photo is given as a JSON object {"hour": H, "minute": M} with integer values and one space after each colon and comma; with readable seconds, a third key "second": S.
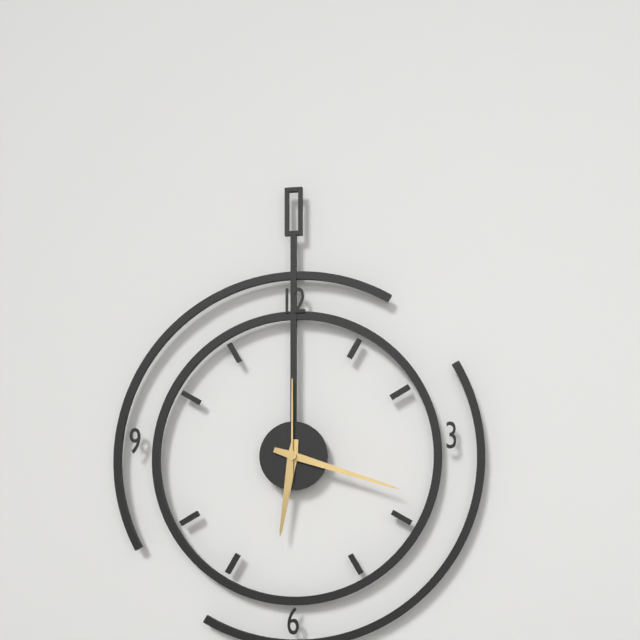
{"hour": 6, "minute": 18, "second": 0}
